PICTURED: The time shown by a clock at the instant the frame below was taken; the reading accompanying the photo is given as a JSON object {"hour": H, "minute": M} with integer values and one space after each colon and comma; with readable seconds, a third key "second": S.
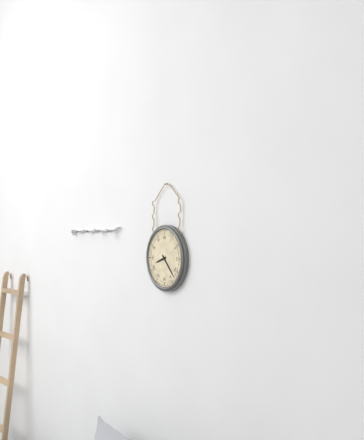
{"hour": 8, "minute": 23}
